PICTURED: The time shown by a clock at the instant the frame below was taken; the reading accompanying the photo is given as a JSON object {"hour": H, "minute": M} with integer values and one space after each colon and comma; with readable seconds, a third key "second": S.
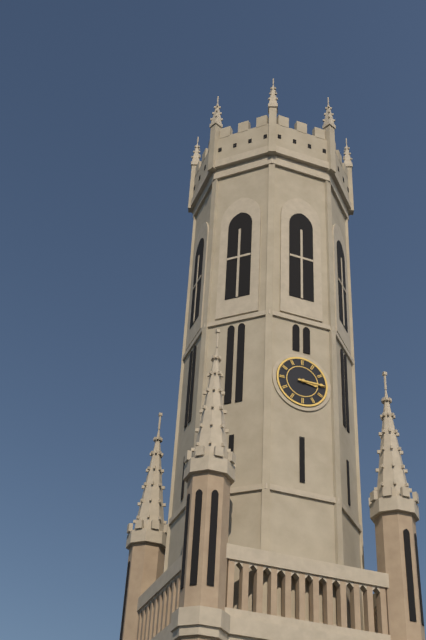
{"hour": 3, "minute": 15}
